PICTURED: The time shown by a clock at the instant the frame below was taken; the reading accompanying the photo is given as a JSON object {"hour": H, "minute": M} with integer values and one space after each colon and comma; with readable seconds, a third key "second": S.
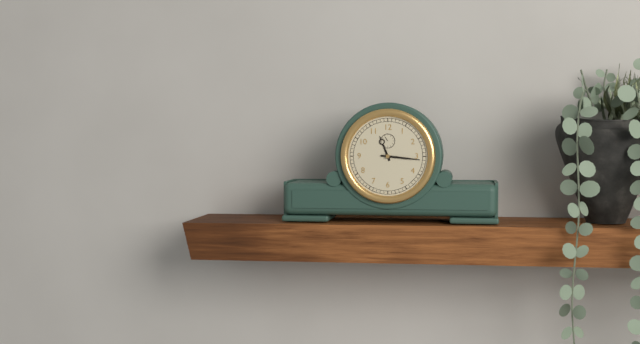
{"hour": 11, "minute": 16}
